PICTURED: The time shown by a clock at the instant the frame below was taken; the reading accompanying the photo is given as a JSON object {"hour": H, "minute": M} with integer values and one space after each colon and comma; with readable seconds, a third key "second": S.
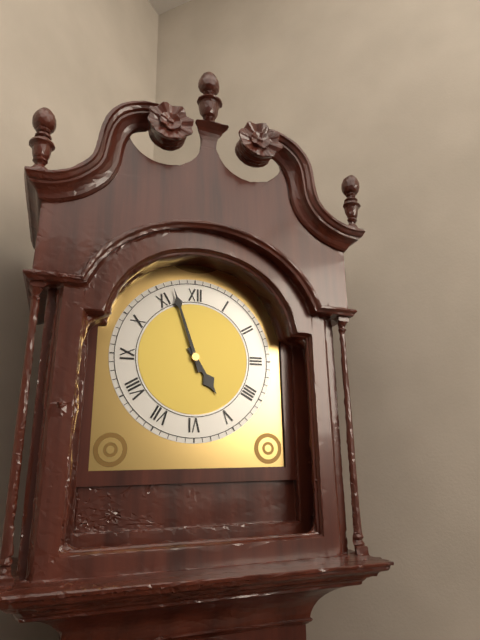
{"hour": 4, "minute": 57}
